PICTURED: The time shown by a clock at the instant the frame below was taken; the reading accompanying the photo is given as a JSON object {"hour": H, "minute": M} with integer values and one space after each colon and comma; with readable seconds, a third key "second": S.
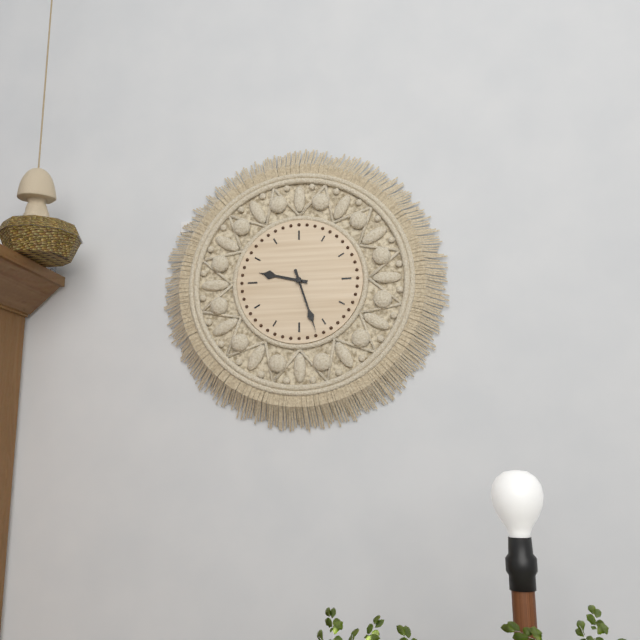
{"hour": 9, "minute": 27}
